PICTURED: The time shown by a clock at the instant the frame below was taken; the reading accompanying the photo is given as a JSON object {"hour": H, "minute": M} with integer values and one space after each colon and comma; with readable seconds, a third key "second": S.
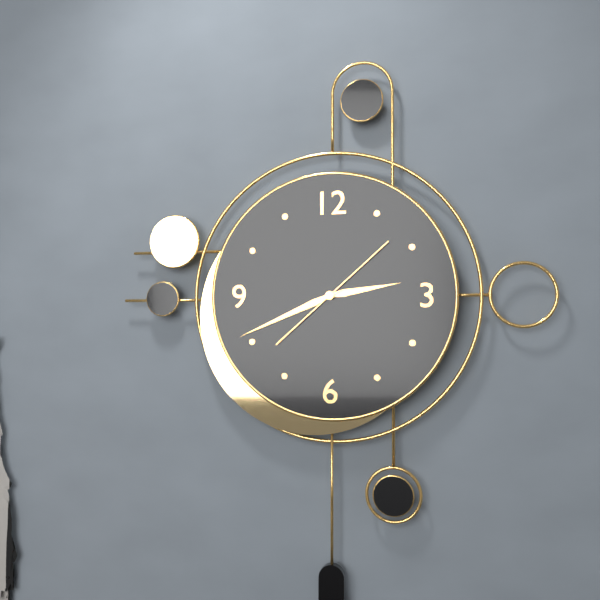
{"hour": 2, "minute": 41, "second": 8}
